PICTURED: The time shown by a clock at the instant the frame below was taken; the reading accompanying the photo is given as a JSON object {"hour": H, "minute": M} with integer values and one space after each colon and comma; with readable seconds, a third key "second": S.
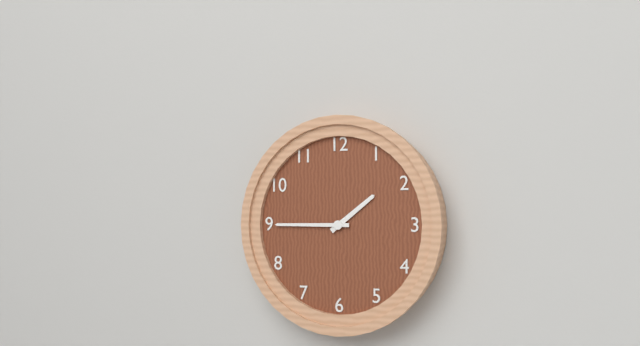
{"hour": 1, "minute": 45}
